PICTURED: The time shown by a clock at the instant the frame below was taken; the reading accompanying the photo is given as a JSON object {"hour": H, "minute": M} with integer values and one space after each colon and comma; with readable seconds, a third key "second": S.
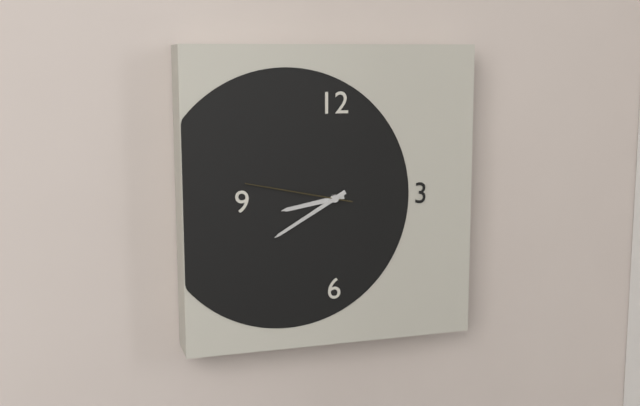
{"hour": 8, "minute": 40, "second": 47}
